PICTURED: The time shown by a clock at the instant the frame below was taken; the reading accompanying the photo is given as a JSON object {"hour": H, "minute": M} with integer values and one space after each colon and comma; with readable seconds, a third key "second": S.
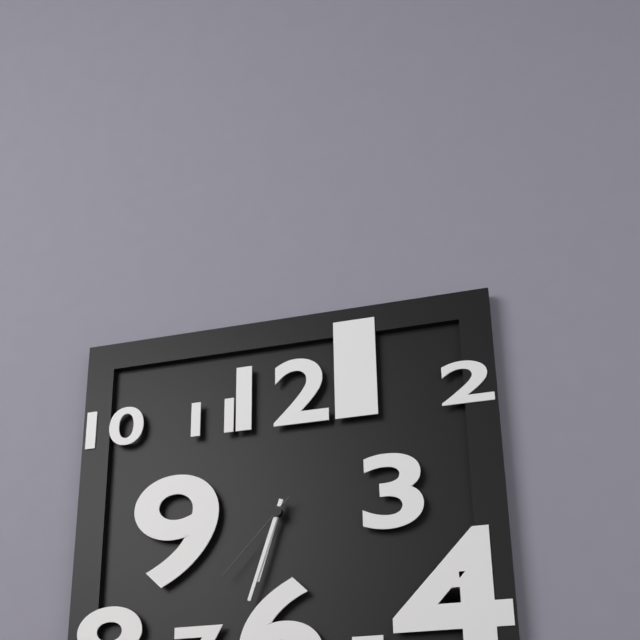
{"hour": 6, "minute": 33, "second": 37}
